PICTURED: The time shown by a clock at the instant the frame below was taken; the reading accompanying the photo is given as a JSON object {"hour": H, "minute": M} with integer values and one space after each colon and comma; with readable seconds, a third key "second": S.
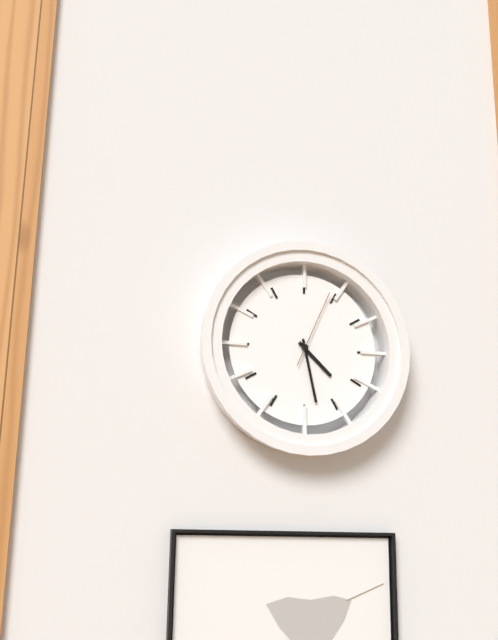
{"hour": 4, "minute": 28, "second": 4}
